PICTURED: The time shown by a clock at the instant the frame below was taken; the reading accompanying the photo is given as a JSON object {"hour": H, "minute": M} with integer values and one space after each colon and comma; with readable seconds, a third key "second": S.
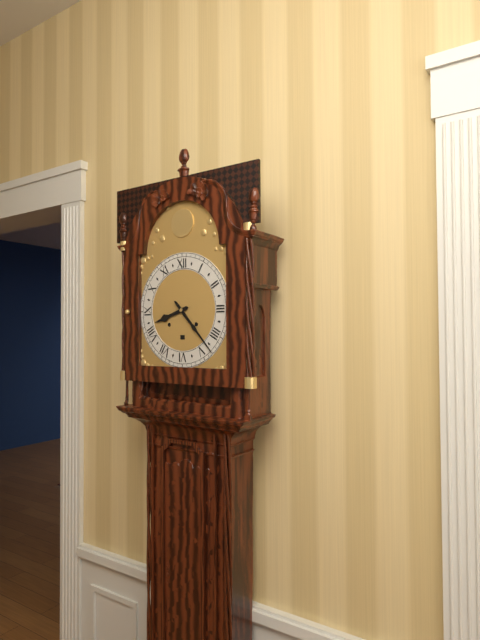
{"hour": 8, "minute": 23}
